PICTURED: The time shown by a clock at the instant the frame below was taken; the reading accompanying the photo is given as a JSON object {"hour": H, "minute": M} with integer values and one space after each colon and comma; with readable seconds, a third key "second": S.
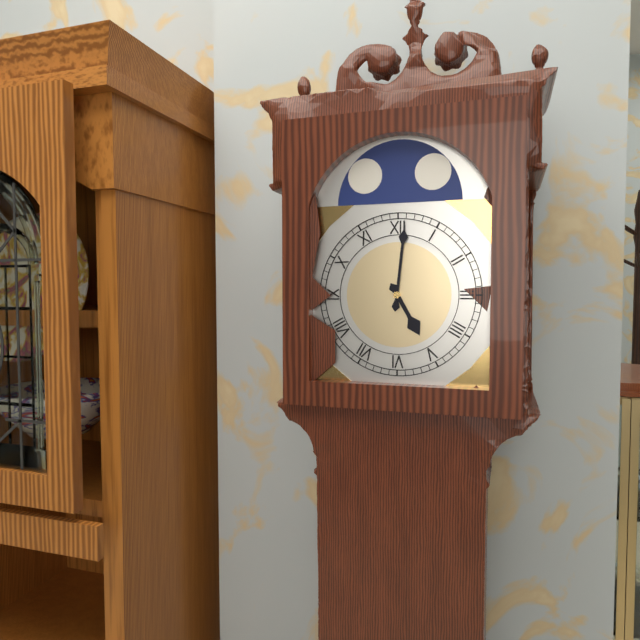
{"hour": 5, "minute": 1}
